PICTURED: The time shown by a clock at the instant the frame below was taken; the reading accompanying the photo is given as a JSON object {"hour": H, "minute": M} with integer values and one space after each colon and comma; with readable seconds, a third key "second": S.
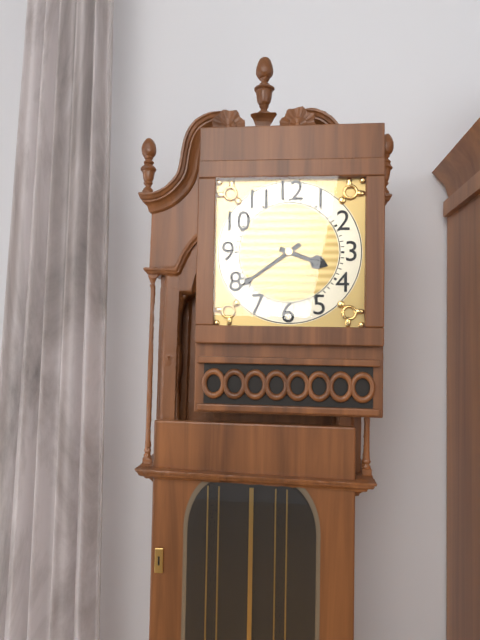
{"hour": 3, "minute": 39}
